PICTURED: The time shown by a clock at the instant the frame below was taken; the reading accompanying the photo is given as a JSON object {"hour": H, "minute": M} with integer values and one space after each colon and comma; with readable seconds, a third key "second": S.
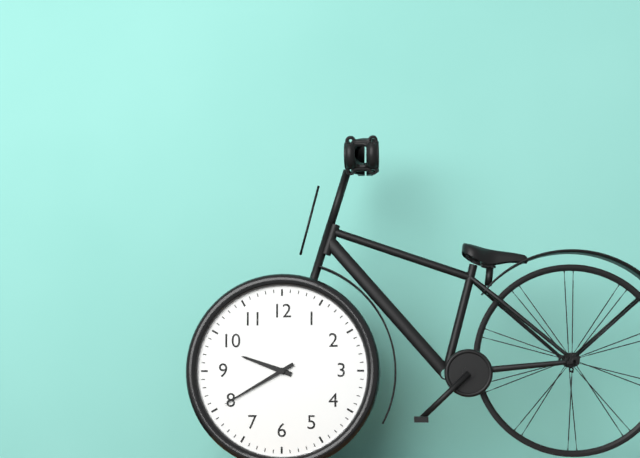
{"hour": 9, "minute": 40}
